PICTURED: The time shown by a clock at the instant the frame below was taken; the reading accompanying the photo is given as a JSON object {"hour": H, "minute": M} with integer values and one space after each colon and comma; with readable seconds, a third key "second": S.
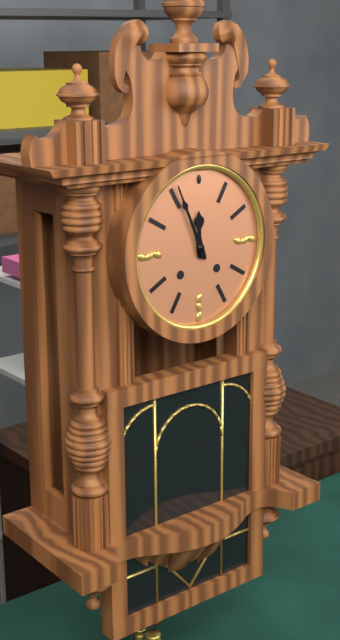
{"hour": 11, "minute": 56}
